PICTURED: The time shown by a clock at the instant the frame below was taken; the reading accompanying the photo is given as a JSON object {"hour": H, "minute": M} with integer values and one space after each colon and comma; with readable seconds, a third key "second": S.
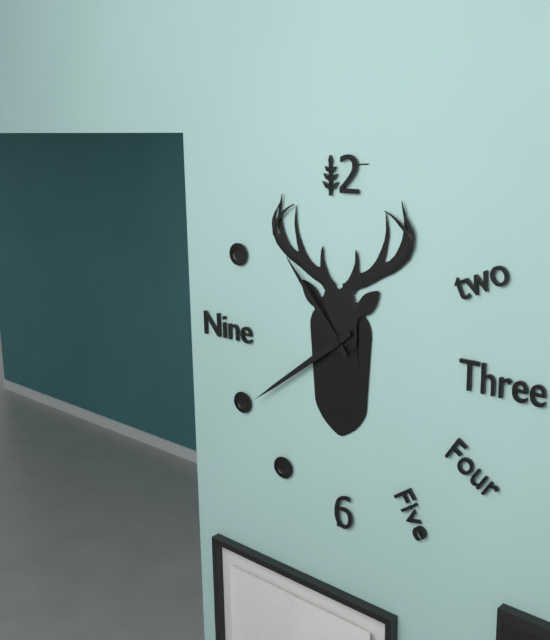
{"hour": 10, "minute": 39}
